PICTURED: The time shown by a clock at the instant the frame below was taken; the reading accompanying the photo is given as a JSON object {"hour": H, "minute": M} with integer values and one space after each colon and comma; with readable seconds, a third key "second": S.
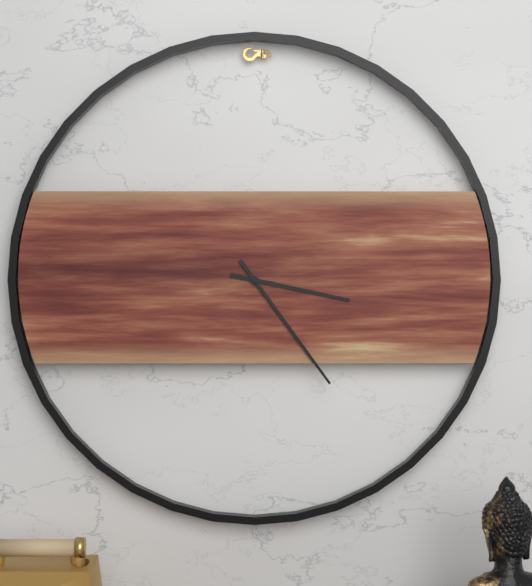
{"hour": 3, "minute": 24}
